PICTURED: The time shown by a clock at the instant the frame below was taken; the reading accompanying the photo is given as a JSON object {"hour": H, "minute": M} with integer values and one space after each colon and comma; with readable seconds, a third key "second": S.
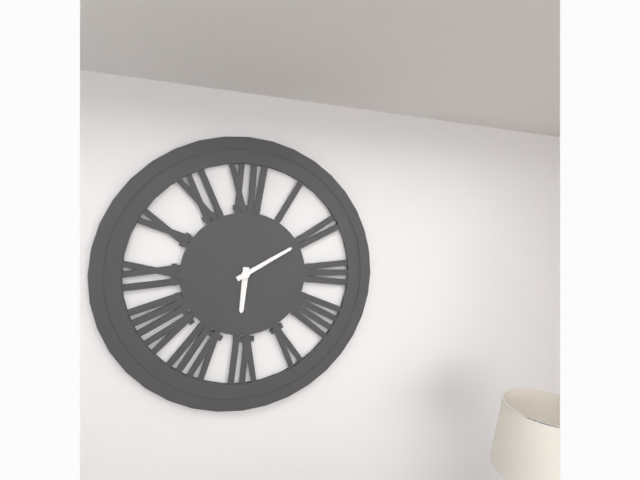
{"hour": 6, "minute": 10}
